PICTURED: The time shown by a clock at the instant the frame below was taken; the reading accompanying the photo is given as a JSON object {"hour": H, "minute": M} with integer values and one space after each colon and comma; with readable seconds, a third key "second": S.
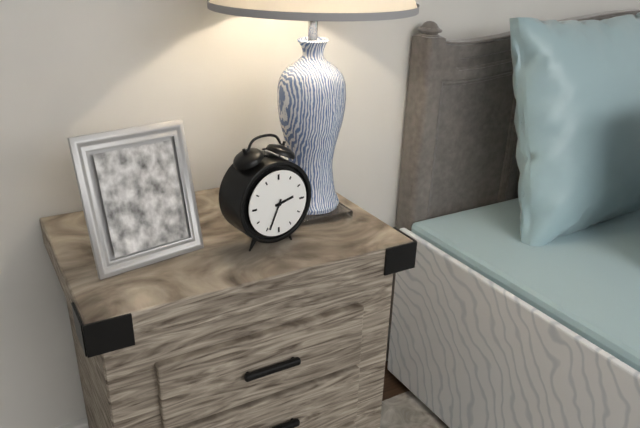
{"hour": 2, "minute": 34}
